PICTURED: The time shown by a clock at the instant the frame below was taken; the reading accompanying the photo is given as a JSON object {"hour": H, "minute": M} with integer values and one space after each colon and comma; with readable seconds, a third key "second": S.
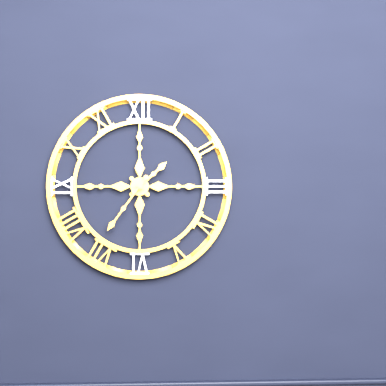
{"hour": 1, "minute": 36}
